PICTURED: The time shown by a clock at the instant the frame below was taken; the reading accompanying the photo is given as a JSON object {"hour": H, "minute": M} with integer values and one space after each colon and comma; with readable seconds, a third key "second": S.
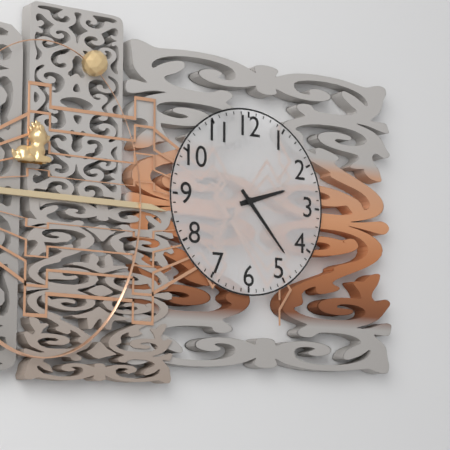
{"hour": 2, "minute": 23}
